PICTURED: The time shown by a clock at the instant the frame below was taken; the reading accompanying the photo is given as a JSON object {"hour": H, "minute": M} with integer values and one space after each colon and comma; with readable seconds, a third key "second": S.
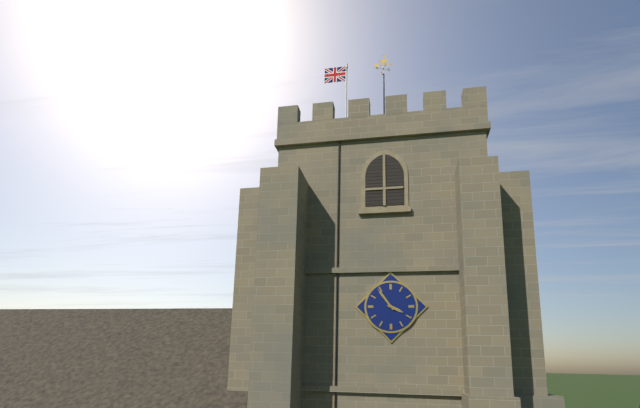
{"hour": 3, "minute": 54}
